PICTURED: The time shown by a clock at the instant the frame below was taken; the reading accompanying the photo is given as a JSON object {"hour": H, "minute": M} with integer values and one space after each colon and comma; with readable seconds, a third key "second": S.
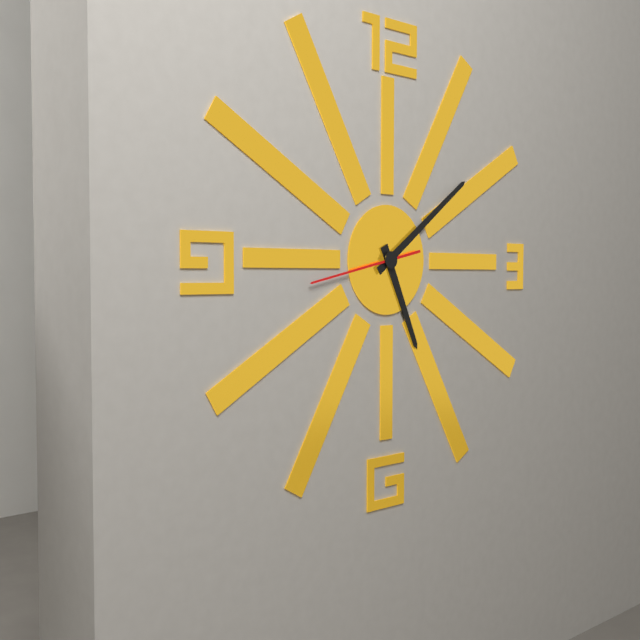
{"hour": 5, "minute": 9, "second": 43}
